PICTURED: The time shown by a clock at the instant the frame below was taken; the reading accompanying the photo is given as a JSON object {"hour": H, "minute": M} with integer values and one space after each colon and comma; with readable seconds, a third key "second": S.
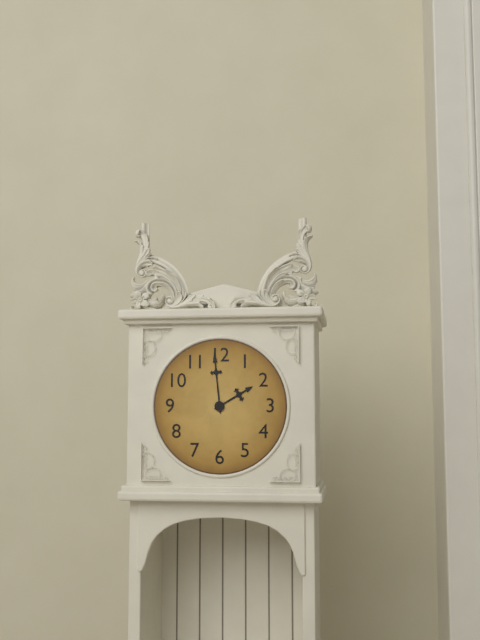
{"hour": 1, "minute": 59}
